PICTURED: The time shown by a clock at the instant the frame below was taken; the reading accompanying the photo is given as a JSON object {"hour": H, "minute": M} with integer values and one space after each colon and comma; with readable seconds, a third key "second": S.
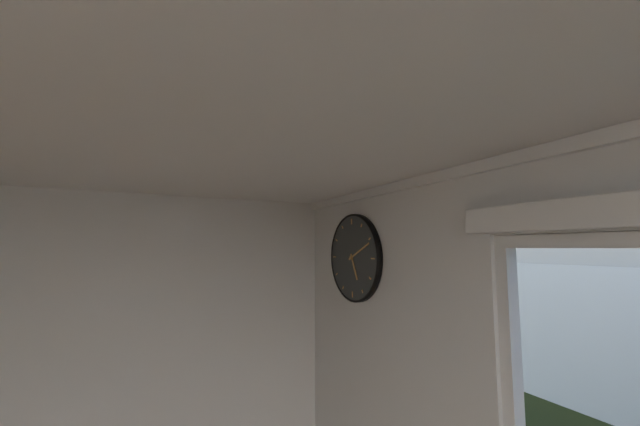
{"hour": 5, "minute": 11}
